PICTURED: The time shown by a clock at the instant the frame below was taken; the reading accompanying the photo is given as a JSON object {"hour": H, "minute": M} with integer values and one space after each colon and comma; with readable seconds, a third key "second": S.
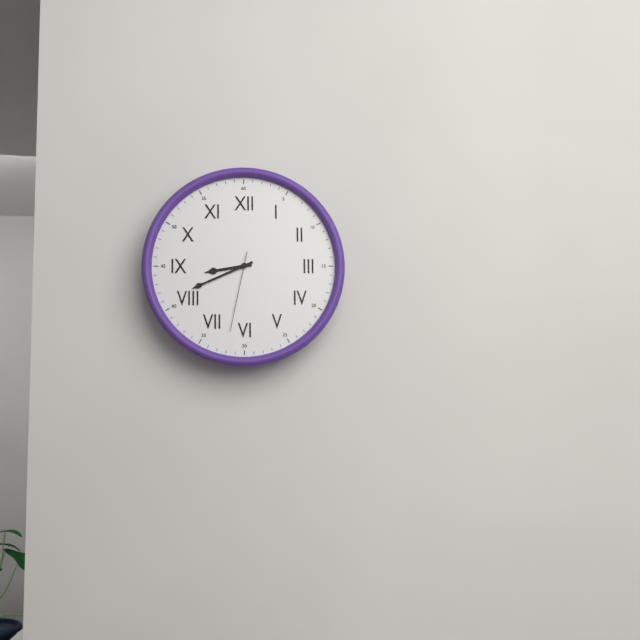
{"hour": 8, "minute": 41, "second": 32}
